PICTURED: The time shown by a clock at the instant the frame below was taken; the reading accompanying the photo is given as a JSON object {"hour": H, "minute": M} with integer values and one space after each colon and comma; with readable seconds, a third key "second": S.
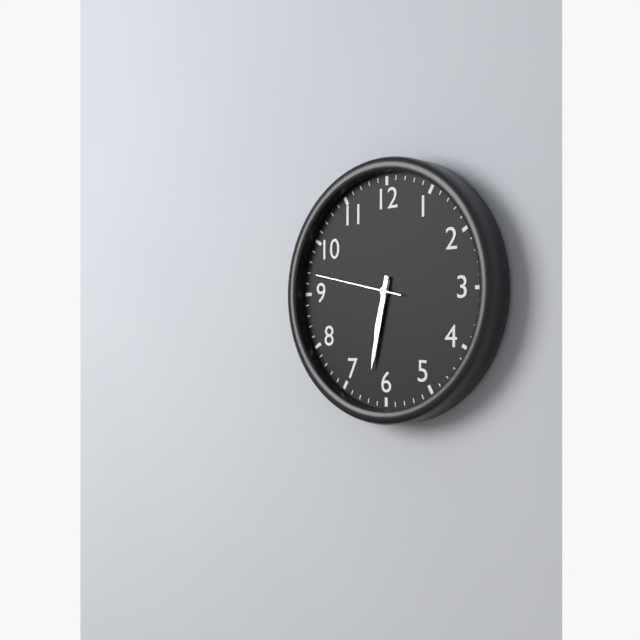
{"hour": 6, "minute": 32, "second": 47}
